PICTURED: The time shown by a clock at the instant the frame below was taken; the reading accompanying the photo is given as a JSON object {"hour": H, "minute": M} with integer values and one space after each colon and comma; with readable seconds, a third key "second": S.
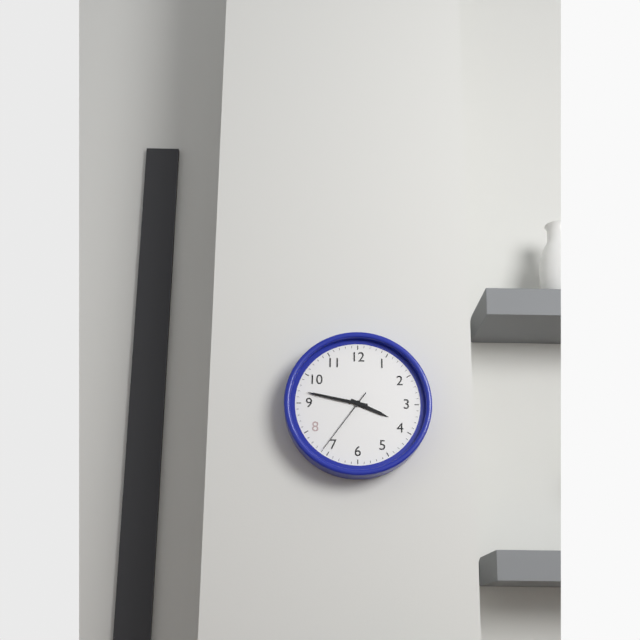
{"hour": 3, "minute": 47, "second": 36}
